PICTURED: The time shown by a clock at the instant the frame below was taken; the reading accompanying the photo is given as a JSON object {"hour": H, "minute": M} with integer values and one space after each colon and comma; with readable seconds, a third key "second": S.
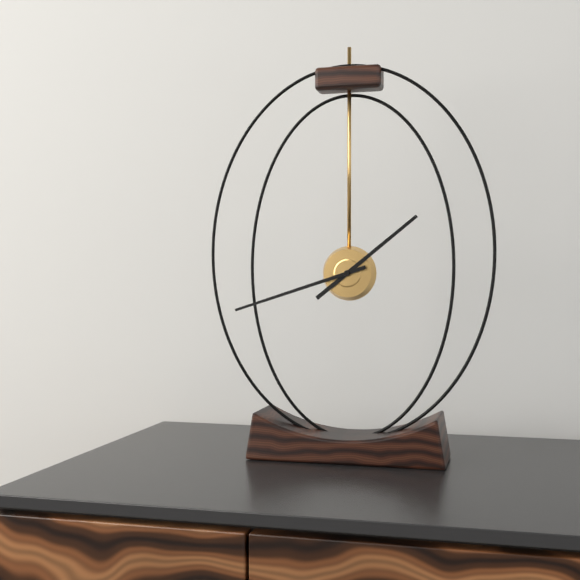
{"hour": 1, "minute": 42}
